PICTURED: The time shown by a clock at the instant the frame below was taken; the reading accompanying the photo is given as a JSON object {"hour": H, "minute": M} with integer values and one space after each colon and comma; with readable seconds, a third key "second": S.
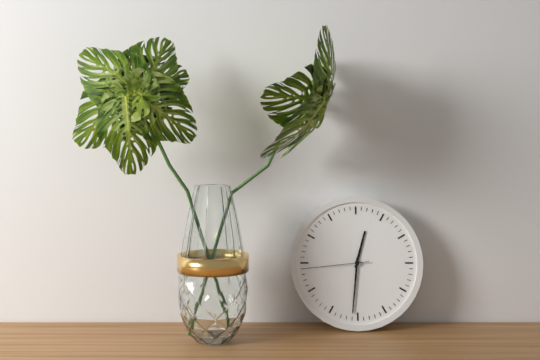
{"hour": 12, "minute": 31, "second": 44}
